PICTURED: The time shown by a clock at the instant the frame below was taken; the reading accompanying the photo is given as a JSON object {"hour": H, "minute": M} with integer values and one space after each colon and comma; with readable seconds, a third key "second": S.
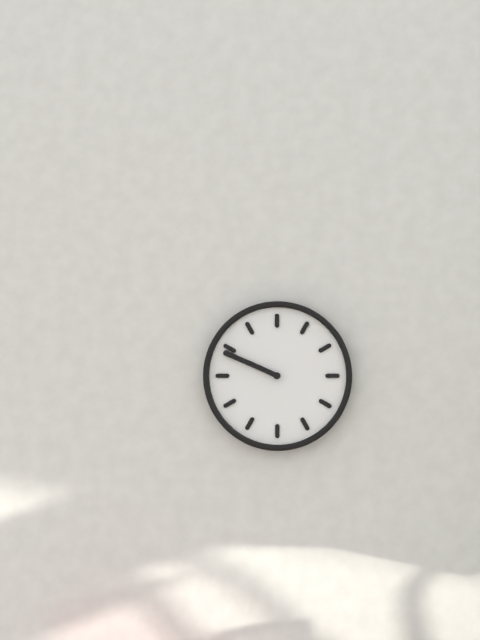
{"hour": 9, "minute": 49}
